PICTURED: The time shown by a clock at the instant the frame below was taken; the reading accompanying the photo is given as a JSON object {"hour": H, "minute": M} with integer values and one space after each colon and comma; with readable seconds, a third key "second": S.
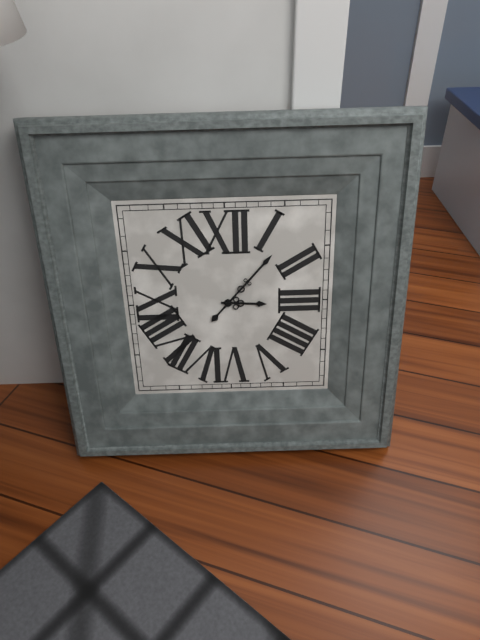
{"hour": 3, "minute": 7}
